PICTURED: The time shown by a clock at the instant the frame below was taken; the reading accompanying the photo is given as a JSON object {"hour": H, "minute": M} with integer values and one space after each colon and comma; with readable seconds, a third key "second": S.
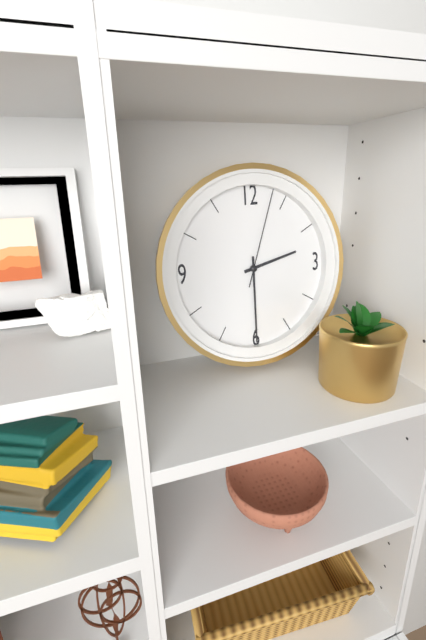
{"hour": 2, "minute": 30, "second": 3}
